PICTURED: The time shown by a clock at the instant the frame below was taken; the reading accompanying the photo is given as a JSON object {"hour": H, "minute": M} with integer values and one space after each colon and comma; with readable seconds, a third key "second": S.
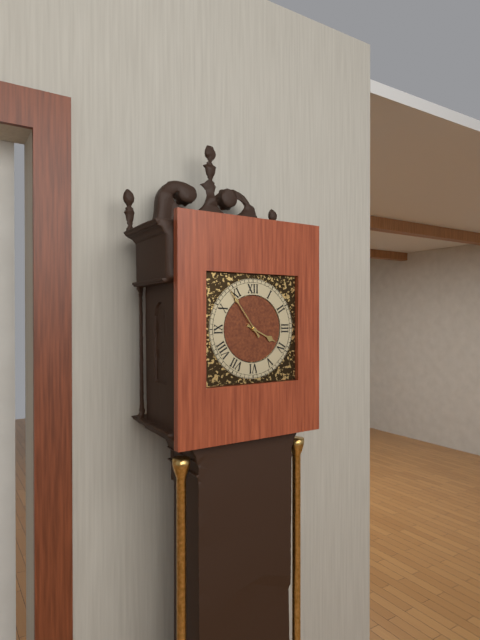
{"hour": 3, "minute": 54}
